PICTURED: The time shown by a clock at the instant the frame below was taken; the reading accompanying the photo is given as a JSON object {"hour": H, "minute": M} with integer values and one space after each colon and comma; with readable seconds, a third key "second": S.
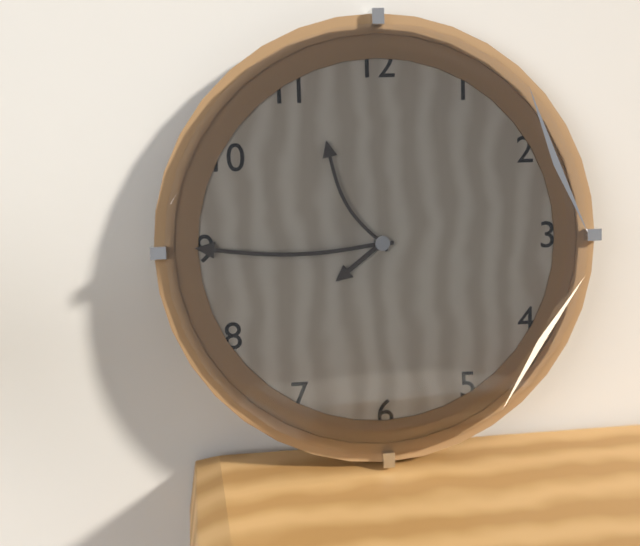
{"hour": 7, "minute": 45, "second": 55}
